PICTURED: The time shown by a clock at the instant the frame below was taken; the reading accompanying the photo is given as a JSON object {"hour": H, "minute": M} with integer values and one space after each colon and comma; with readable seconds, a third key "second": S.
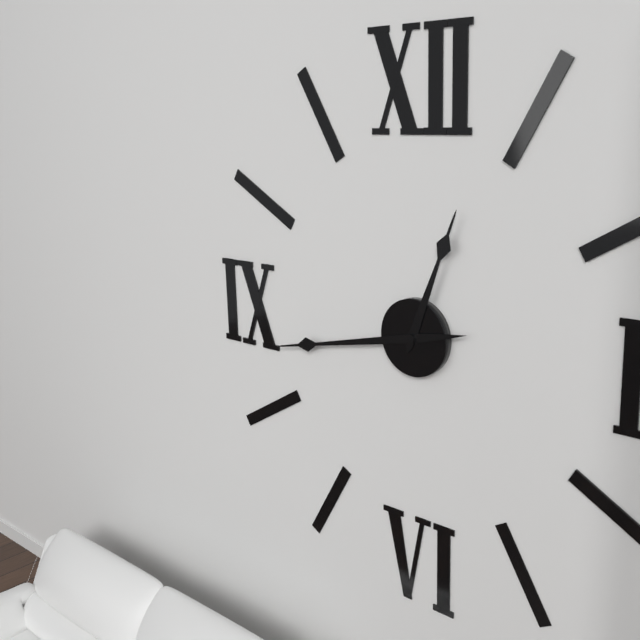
{"hour": 12, "minute": 43}
